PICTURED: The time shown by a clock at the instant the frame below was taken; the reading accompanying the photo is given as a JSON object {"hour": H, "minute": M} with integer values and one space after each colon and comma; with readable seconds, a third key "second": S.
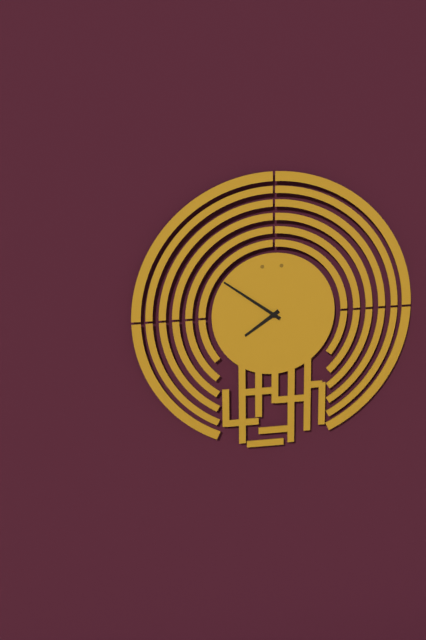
{"hour": 7, "minute": 51}
